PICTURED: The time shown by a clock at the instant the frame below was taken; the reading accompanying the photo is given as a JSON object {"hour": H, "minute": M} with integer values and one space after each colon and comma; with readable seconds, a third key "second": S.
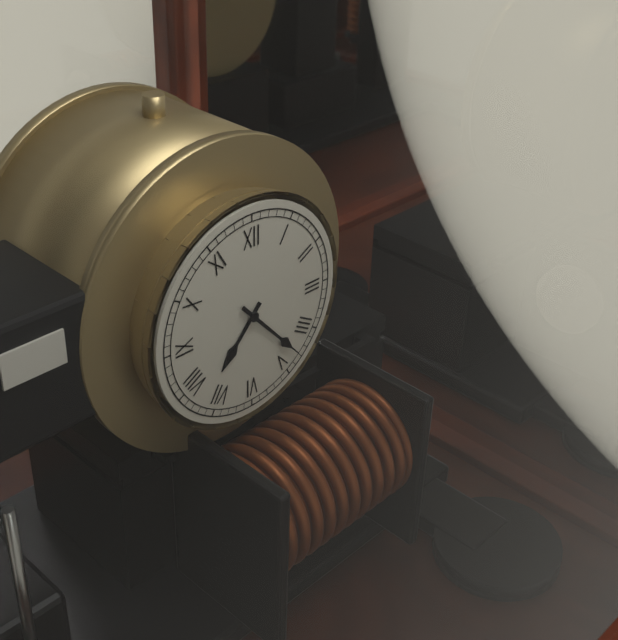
{"hour": 7, "minute": 23}
